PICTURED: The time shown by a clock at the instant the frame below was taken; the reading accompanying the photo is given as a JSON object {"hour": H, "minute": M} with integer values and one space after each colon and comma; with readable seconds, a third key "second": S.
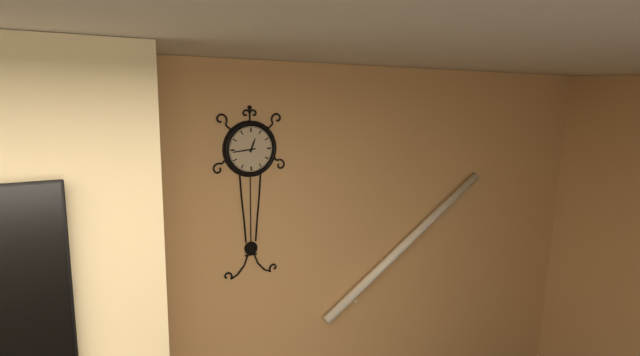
{"hour": 12, "minute": 44}
